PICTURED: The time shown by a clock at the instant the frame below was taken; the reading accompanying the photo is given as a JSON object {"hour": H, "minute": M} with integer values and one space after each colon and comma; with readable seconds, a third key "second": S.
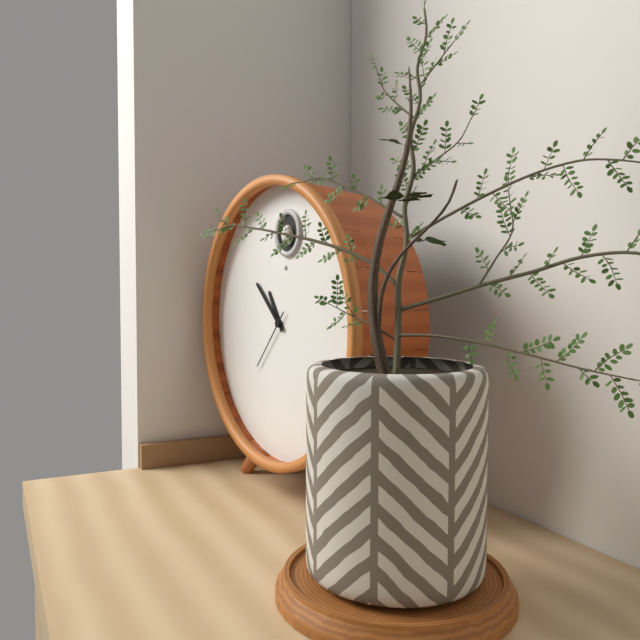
{"hour": 10, "minute": 52, "second": 37}
